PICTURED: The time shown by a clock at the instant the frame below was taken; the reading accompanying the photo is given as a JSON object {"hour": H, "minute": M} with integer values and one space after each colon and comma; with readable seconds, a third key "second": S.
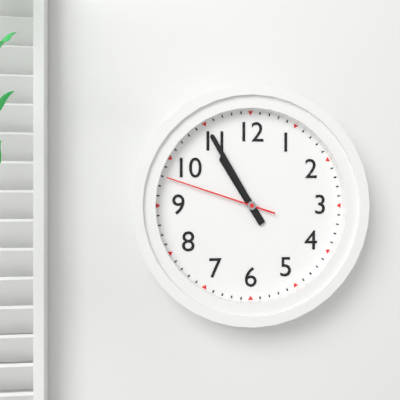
{"hour": 10, "minute": 55, "second": 48}
